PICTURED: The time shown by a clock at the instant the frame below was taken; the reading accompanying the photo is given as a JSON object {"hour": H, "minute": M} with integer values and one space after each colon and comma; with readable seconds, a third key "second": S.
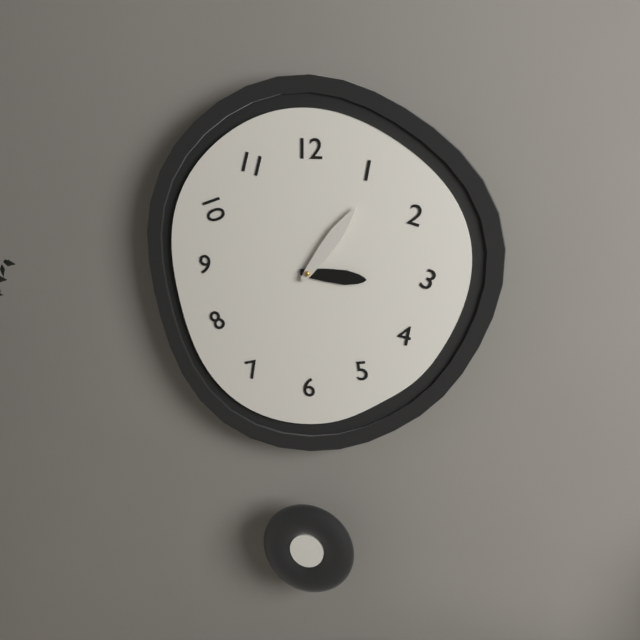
{"hour": 3, "minute": 6}
